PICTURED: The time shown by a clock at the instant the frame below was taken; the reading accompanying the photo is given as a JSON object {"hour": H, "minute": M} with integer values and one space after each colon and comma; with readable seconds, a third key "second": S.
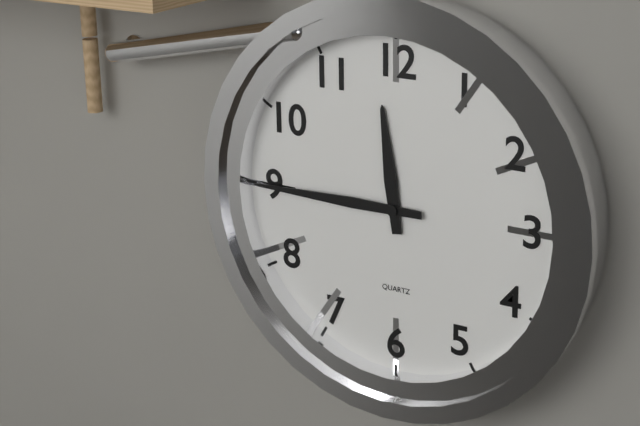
{"hour": 11, "minute": 45}
